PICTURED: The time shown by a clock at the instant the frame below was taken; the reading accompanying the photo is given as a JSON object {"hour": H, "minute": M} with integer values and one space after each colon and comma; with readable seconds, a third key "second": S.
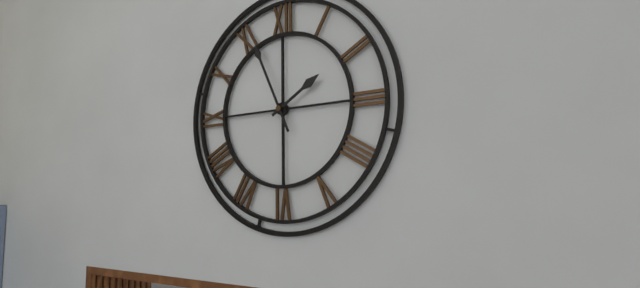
{"hour": 1, "minute": 56}
